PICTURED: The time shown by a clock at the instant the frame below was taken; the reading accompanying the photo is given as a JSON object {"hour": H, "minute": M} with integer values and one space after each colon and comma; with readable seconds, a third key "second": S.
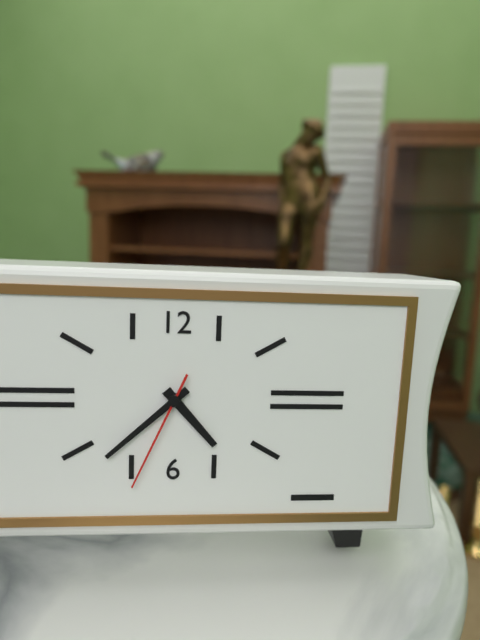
{"hour": 4, "minute": 38, "second": 34}
